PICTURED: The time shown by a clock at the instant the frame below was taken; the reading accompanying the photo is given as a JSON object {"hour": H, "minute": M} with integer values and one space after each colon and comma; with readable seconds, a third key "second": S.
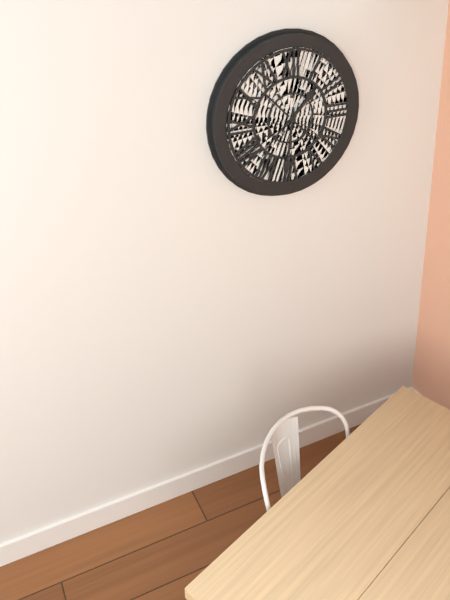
{"hour": 1, "minute": 31}
